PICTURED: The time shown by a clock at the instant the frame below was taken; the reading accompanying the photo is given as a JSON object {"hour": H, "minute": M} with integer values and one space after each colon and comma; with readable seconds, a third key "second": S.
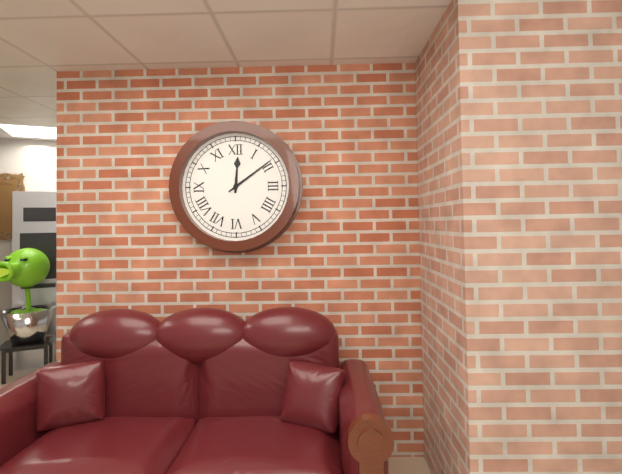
{"hour": 12, "minute": 9}
